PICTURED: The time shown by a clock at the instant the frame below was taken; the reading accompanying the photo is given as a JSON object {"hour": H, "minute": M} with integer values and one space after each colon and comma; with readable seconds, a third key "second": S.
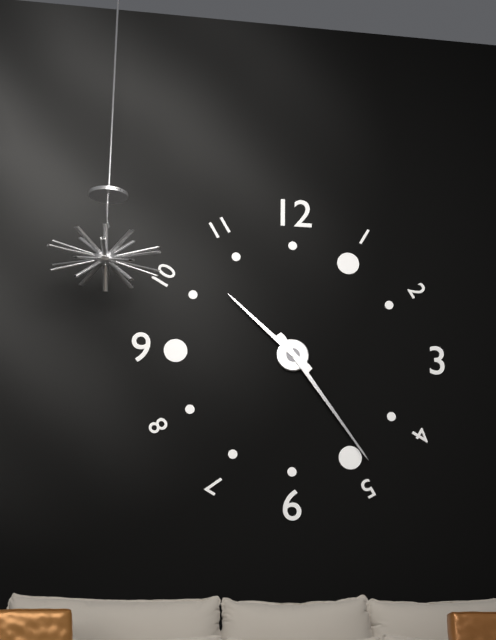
{"hour": 10, "minute": 24}
